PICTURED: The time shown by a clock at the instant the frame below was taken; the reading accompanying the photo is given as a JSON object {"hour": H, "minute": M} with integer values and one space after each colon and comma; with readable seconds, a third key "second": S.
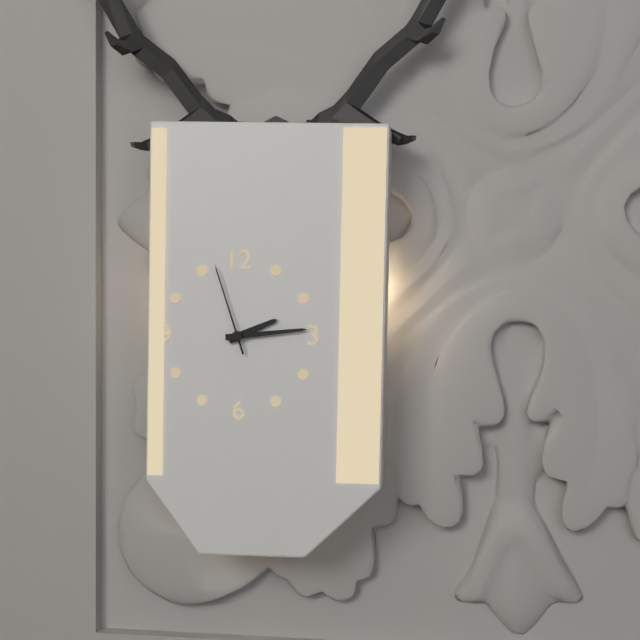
{"hour": 2, "minute": 14, "second": 57}
